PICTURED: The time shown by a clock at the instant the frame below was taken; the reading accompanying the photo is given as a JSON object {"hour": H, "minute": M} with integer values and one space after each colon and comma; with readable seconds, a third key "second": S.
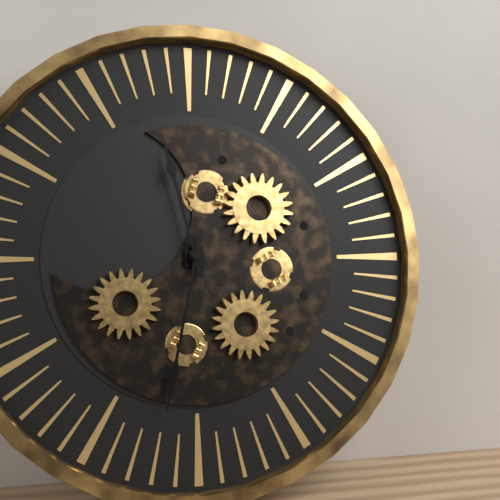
{"hour": 11, "minute": 32}
